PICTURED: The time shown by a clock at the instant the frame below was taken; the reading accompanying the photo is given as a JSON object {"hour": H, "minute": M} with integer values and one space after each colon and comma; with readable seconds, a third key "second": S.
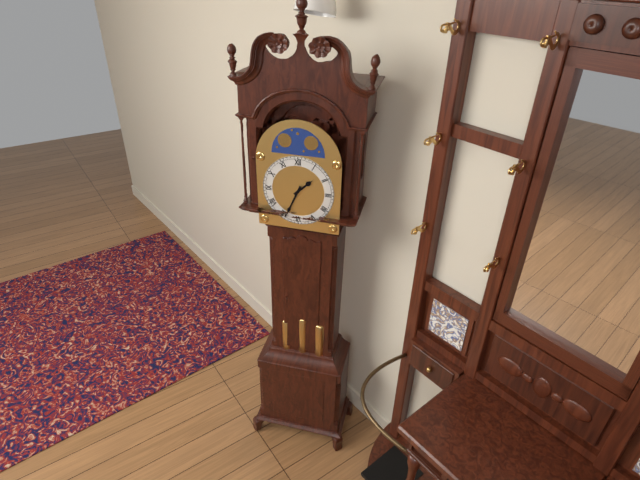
{"hour": 1, "minute": 34}
